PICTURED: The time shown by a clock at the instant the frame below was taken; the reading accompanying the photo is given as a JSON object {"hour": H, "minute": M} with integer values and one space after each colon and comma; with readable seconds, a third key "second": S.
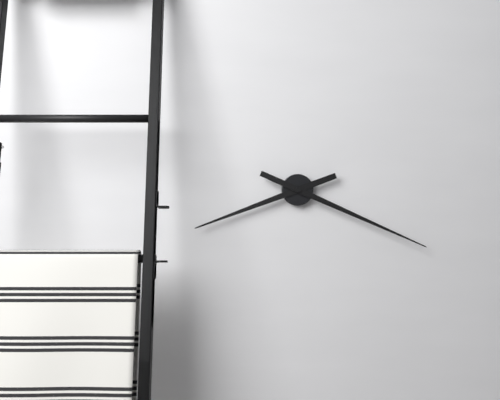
{"hour": 8, "minute": 19}
